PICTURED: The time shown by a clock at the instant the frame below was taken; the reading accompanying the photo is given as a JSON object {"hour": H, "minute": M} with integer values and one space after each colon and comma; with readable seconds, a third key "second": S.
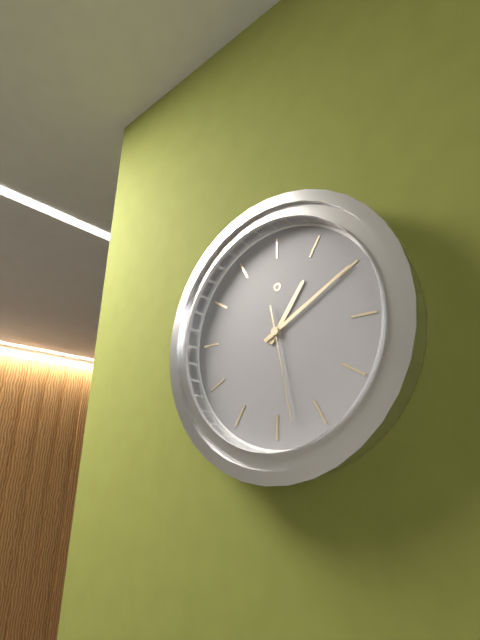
{"hour": 1, "minute": 10, "second": 28}
